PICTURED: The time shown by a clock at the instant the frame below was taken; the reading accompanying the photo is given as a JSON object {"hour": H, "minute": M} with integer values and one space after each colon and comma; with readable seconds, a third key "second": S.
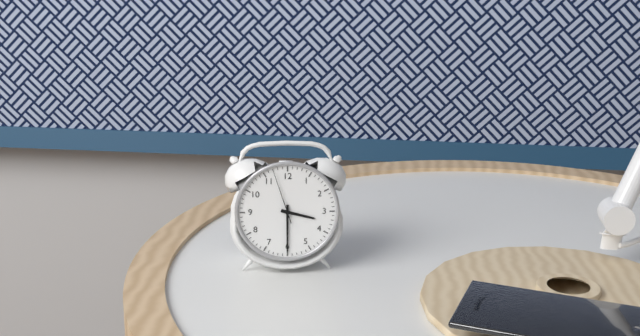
{"hour": 3, "minute": 30, "second": 57}
